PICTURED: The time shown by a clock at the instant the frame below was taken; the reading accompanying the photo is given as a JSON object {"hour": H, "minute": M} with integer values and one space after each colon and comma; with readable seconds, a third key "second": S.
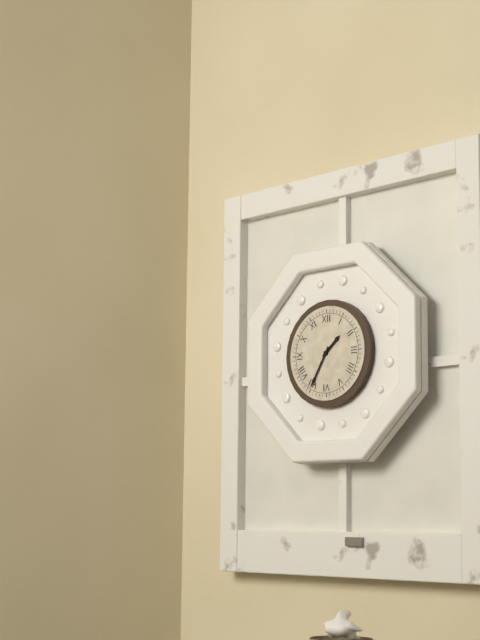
{"hour": 1, "minute": 35}
